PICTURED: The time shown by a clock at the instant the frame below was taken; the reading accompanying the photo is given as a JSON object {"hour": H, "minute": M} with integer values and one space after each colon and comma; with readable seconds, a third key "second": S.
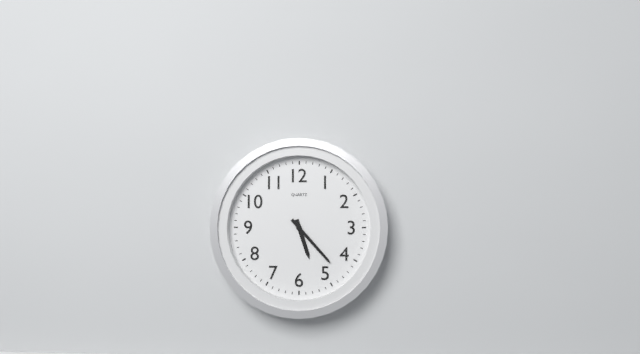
{"hour": 5, "minute": 23}
